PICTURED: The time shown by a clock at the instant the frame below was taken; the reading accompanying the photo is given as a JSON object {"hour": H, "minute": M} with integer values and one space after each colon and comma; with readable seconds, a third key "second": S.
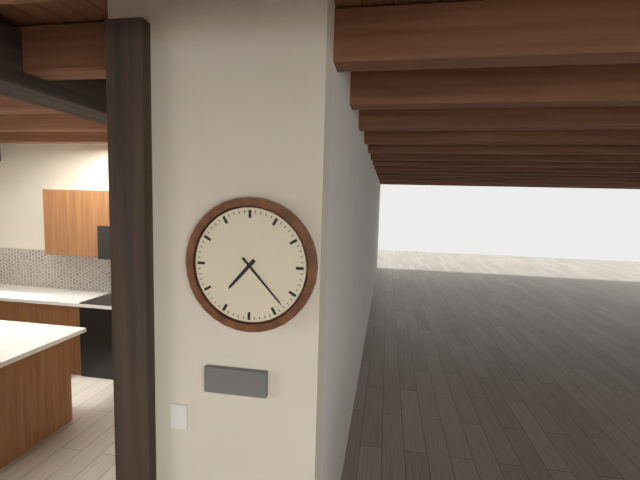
{"hour": 7, "minute": 23}
